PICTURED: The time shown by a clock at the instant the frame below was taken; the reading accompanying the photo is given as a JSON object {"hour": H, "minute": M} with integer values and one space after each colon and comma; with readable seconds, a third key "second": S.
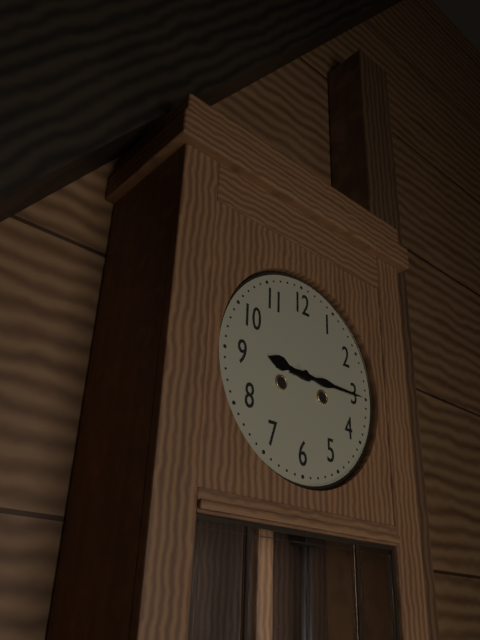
{"hour": 9, "minute": 15}
